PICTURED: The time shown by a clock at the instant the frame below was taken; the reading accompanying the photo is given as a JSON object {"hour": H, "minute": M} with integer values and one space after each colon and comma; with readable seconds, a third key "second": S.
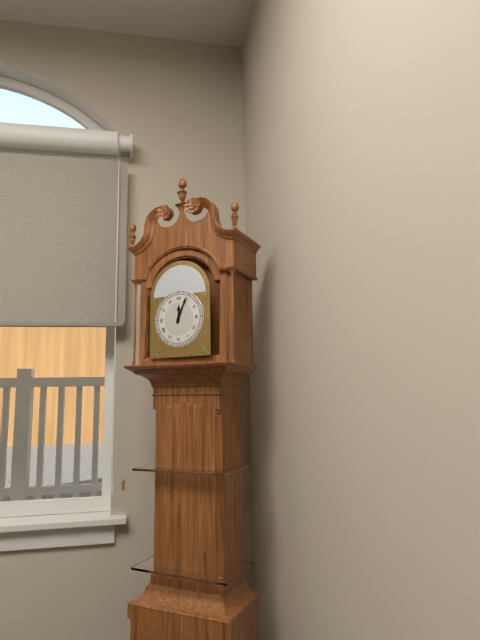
{"hour": 12, "minute": 4}
